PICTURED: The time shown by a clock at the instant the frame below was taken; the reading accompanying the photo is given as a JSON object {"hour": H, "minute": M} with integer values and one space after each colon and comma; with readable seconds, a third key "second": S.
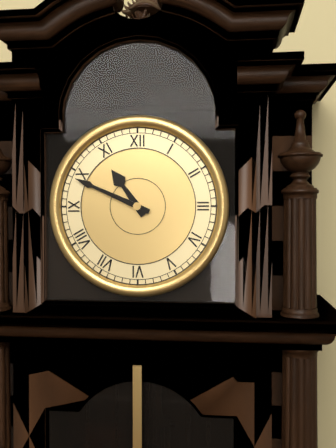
{"hour": 10, "minute": 49}
